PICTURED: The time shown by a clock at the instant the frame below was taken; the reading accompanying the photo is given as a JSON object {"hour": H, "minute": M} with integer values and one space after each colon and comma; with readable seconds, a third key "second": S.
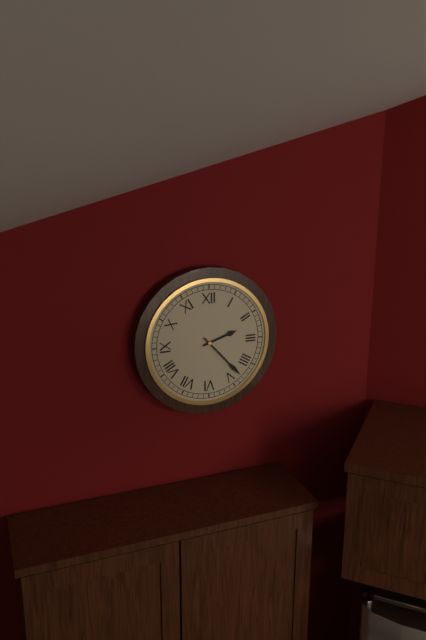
{"hour": 2, "minute": 23}
